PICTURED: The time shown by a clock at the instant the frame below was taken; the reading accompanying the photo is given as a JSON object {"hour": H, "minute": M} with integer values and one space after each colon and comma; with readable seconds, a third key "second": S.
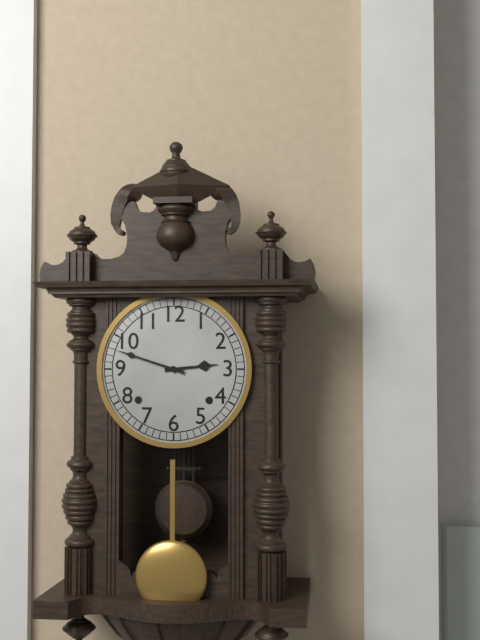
{"hour": 2, "minute": 48}
